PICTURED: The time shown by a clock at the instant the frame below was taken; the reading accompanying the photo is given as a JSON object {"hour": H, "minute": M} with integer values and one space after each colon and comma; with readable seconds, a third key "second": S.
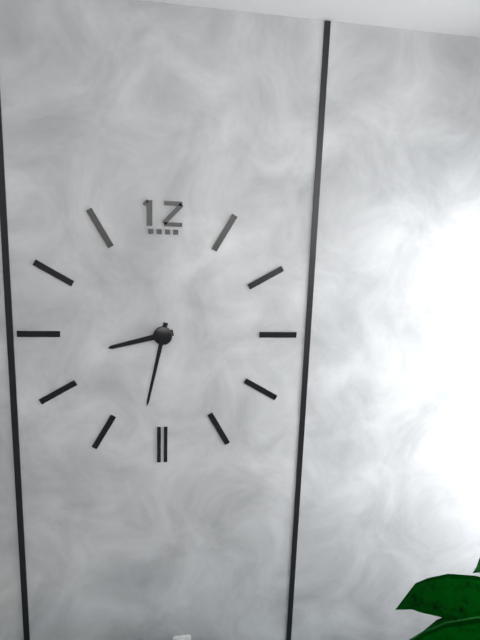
{"hour": 8, "minute": 32}
